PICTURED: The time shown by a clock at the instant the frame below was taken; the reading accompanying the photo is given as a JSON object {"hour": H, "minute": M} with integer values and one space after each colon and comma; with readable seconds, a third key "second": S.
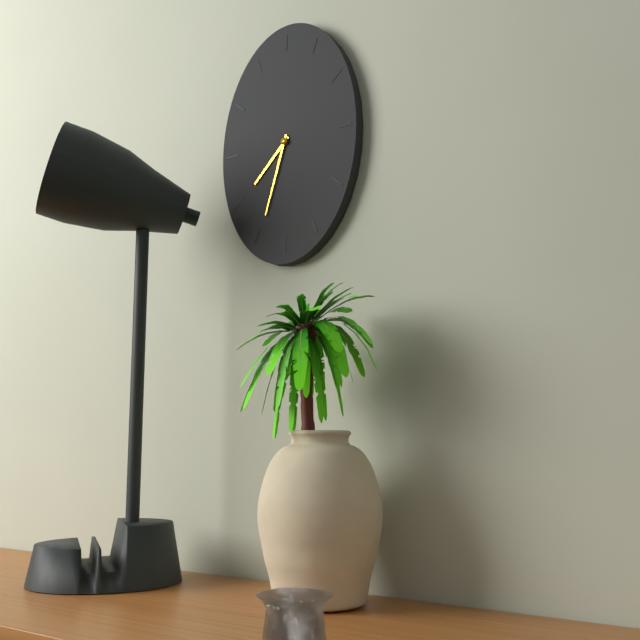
{"hour": 7, "minute": 33}
